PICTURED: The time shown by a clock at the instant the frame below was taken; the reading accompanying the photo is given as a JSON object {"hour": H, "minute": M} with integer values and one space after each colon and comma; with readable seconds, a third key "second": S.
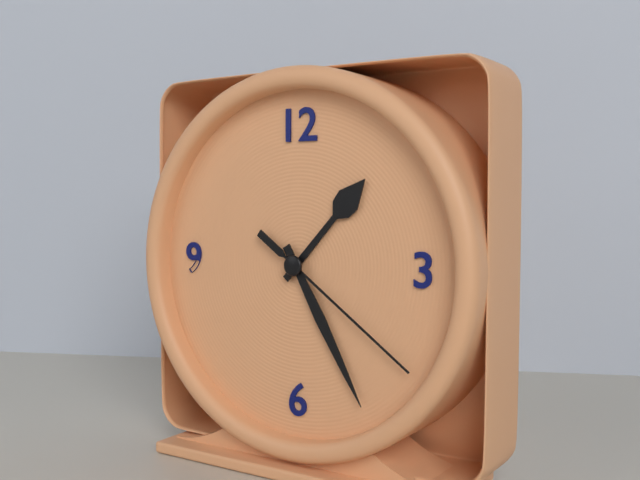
{"hour": 1, "minute": 25, "second": 21}
